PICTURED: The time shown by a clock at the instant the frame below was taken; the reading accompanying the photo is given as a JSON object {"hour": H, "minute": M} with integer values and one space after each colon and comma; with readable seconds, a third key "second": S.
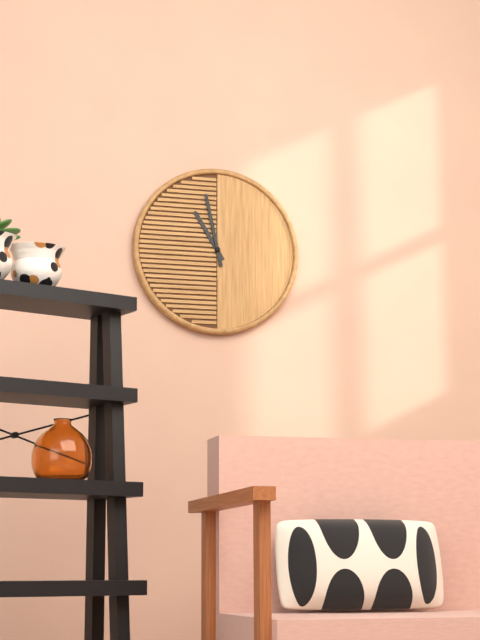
{"hour": 10, "minute": 58}
